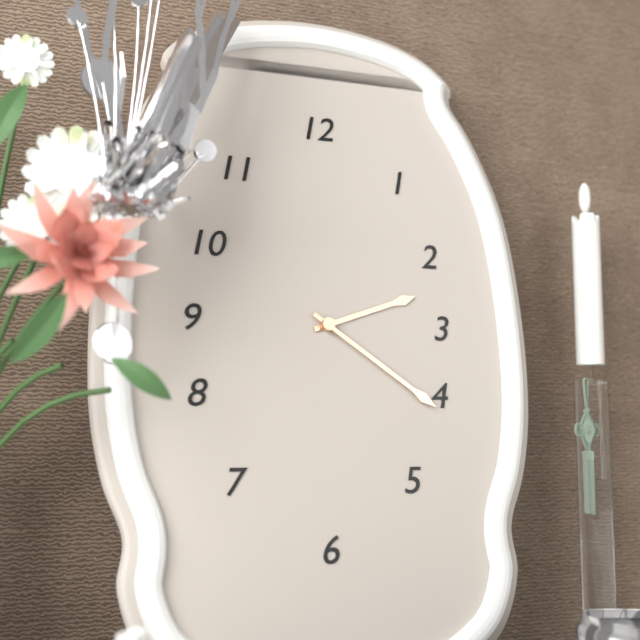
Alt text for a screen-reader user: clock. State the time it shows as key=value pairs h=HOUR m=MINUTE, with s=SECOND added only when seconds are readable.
h=2 m=21
